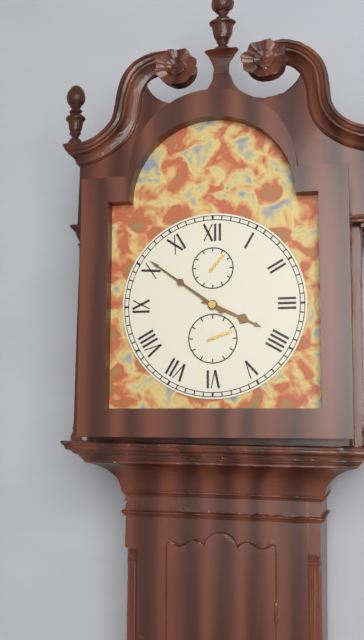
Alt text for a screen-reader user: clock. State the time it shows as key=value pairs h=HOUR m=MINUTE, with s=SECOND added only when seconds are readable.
h=3 m=51
